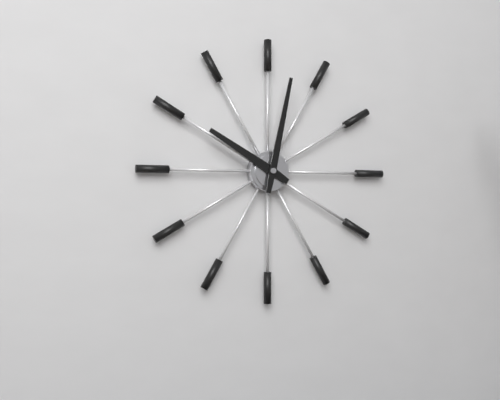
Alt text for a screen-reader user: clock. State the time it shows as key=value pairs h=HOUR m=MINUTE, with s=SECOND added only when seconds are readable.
h=10 m=2
